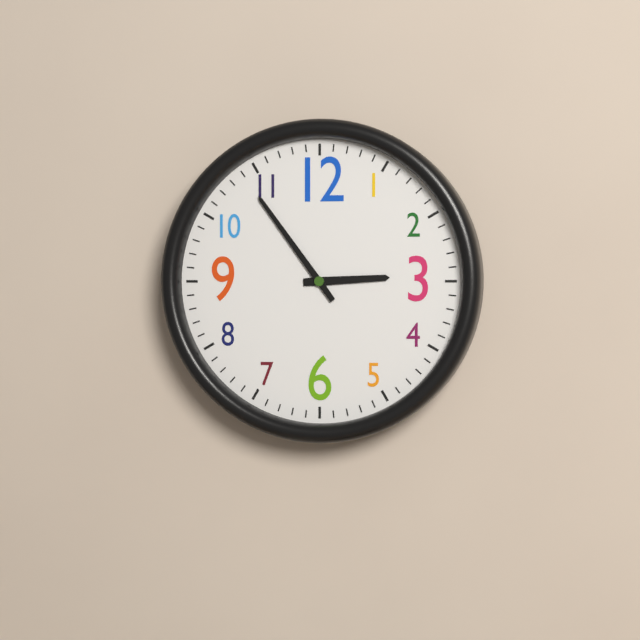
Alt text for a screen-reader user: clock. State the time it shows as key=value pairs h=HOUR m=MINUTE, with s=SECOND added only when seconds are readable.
h=2 m=54
